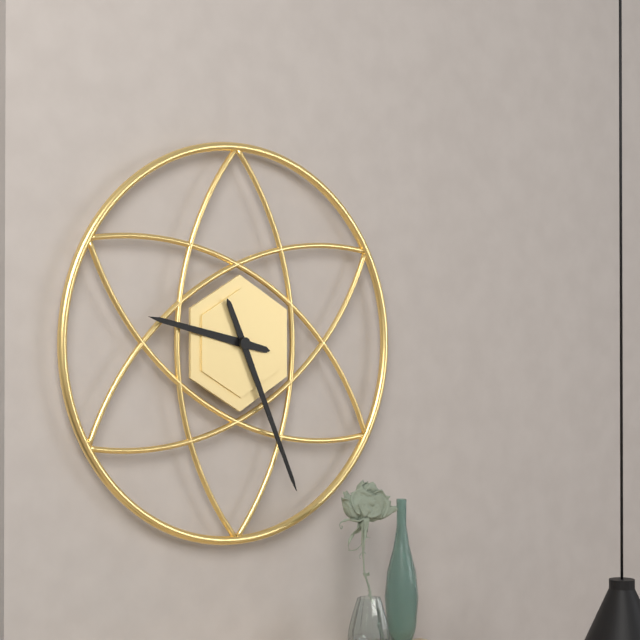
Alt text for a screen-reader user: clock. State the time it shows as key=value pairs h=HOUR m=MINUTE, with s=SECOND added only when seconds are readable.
h=9 m=26
